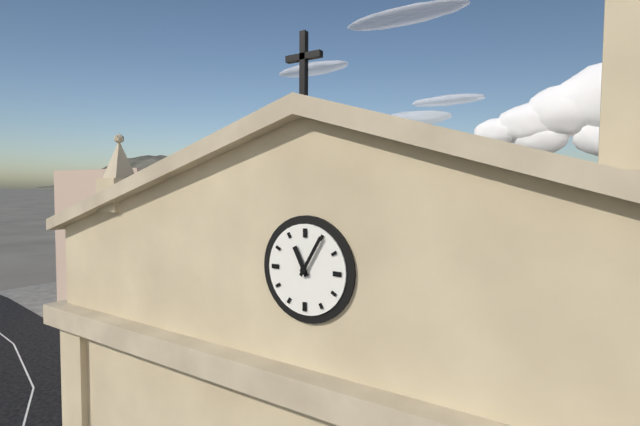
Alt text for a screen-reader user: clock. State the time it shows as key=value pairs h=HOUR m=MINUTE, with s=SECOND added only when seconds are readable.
h=11 m=5
